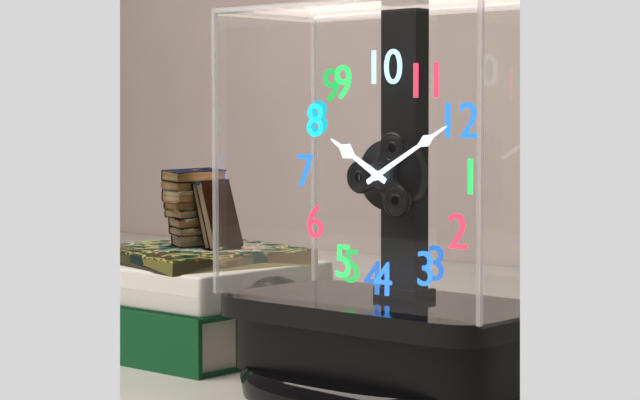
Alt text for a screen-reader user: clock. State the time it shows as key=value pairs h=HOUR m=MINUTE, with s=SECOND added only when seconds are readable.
h=8 m=0
